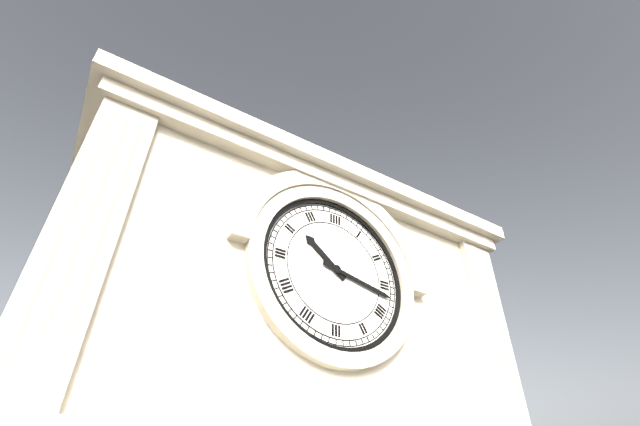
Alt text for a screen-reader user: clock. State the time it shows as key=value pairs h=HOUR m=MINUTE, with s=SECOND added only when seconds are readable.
h=10 m=17
